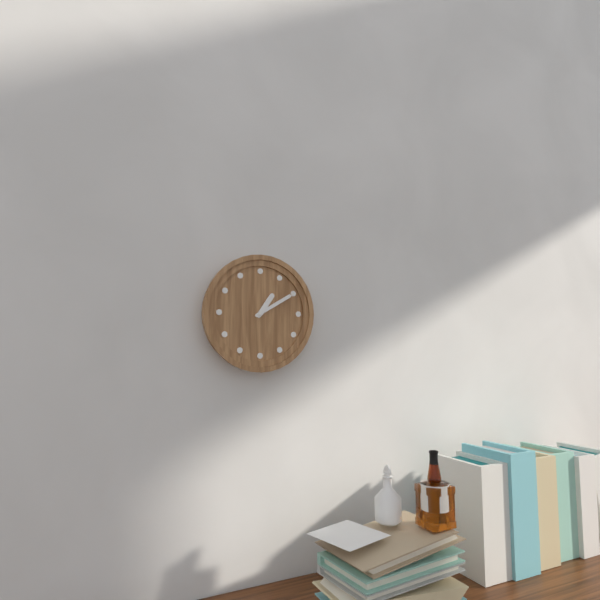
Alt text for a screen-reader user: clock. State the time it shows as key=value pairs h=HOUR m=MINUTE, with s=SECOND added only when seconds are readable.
h=1 m=10
